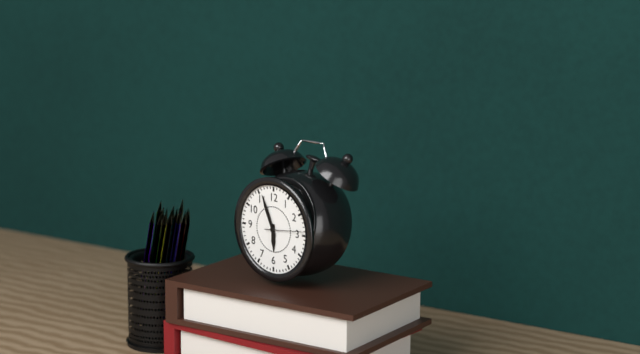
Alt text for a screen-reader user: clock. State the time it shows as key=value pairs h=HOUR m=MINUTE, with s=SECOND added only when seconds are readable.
h=5 m=56
